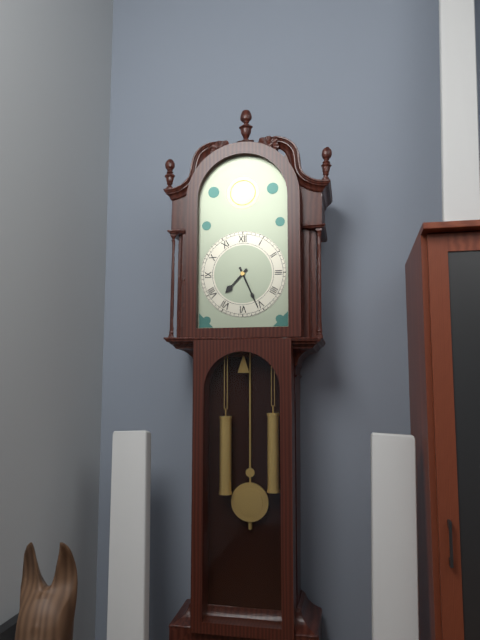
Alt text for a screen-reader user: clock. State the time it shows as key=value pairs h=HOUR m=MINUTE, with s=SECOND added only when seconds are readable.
h=7 m=26
